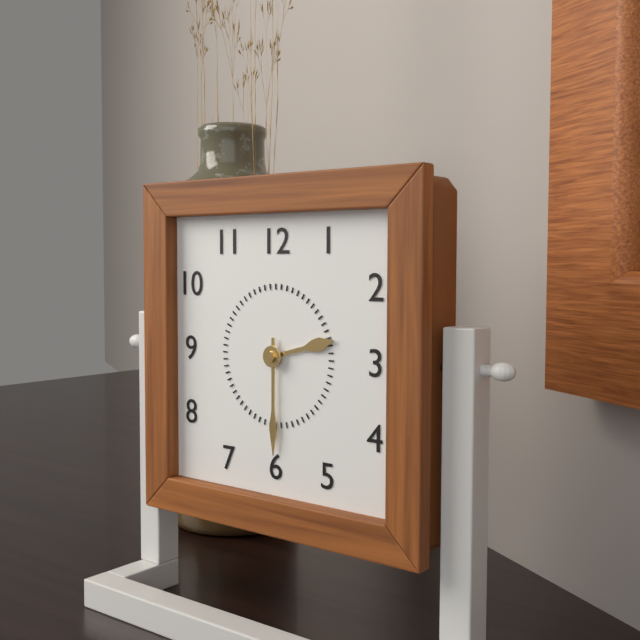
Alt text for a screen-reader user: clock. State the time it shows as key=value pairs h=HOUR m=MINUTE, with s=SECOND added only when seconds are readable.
h=2 m=30
